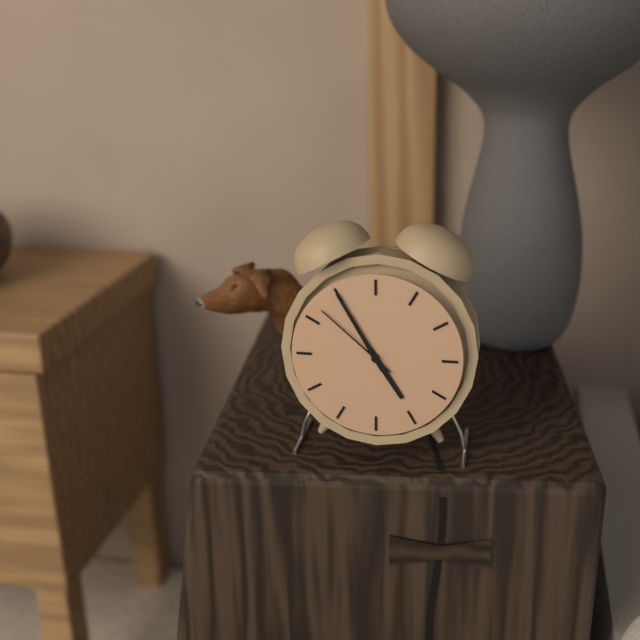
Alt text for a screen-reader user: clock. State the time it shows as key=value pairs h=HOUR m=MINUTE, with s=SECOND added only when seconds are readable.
h=4 m=55 s=52
